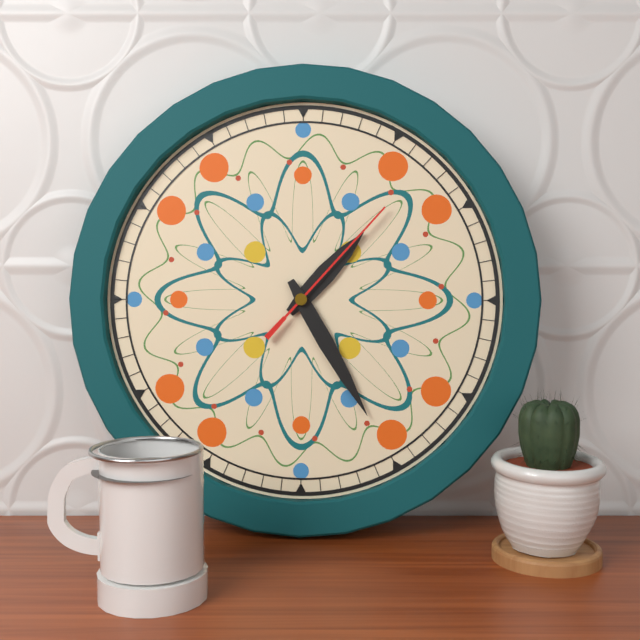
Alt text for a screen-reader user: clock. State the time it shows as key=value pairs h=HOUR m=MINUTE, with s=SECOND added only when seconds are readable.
h=1 m=25 s=7
